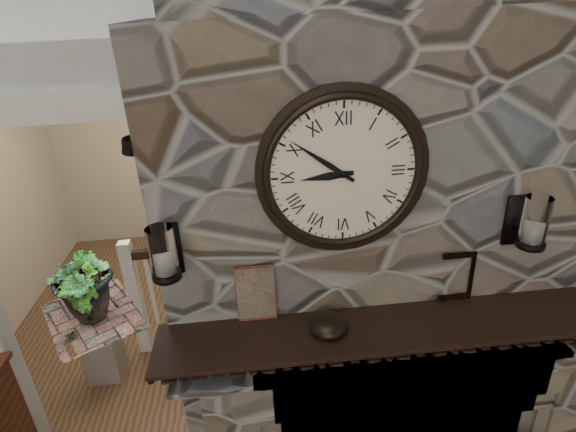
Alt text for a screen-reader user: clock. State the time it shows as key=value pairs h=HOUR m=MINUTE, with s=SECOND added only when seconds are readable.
h=8 m=51
